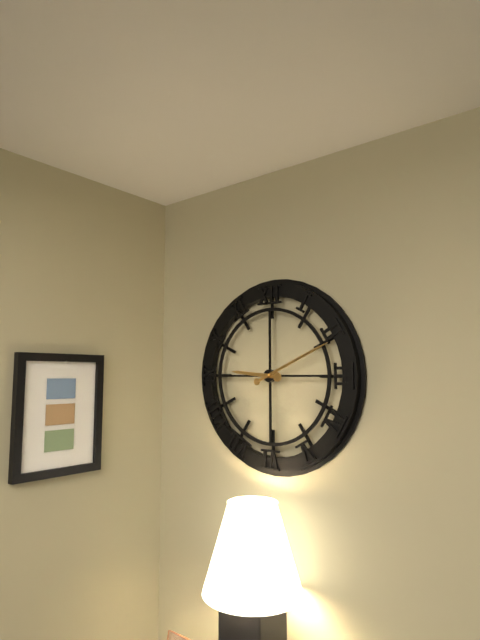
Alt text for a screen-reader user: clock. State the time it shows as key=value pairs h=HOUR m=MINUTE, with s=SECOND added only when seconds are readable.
h=9 m=11
